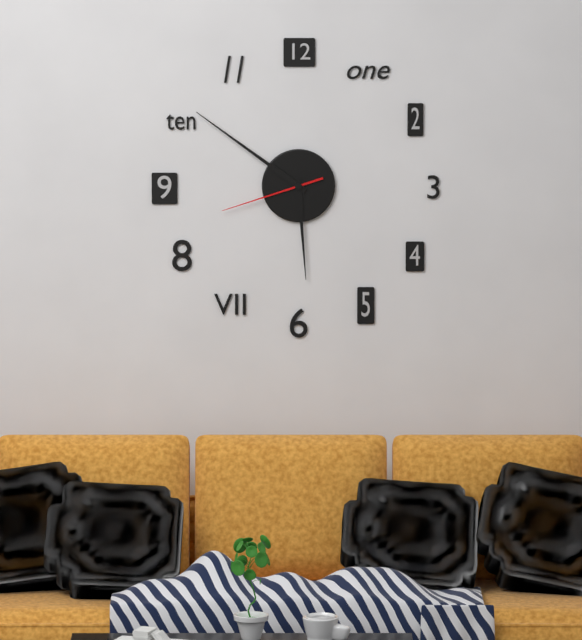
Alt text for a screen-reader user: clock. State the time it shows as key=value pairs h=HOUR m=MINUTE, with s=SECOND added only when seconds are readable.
h=5 m=51 s=42
